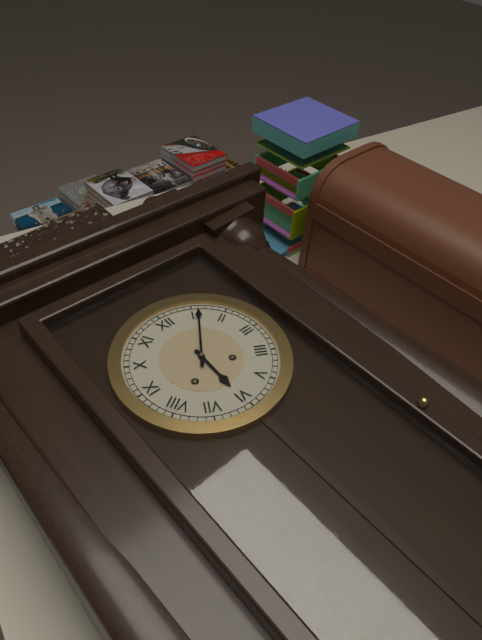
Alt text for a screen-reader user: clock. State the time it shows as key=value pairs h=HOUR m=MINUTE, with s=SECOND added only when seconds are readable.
h=6 m=6
